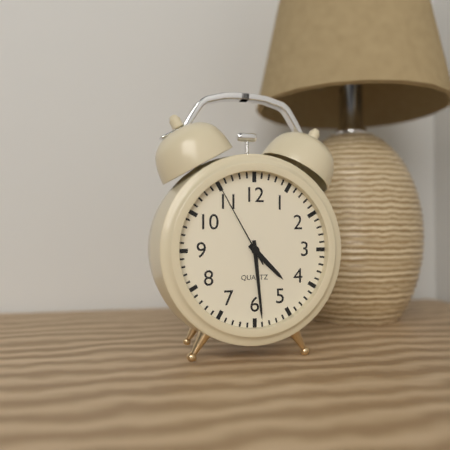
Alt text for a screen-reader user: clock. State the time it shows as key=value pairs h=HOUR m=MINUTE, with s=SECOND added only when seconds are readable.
h=4 m=29 s=55
